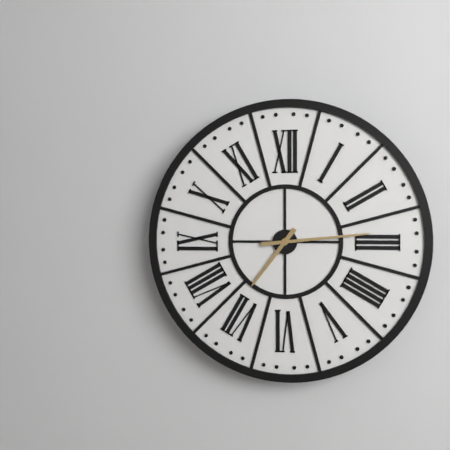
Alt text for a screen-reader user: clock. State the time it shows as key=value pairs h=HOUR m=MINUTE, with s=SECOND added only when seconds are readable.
h=7 m=14
